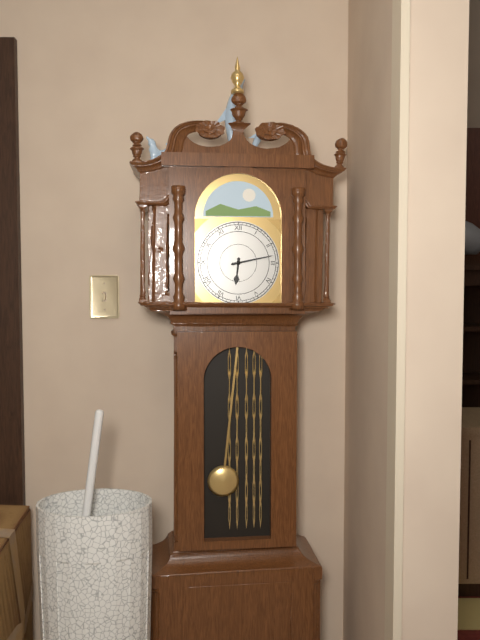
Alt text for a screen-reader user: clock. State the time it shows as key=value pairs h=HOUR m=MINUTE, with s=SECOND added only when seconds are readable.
h=6 m=13
